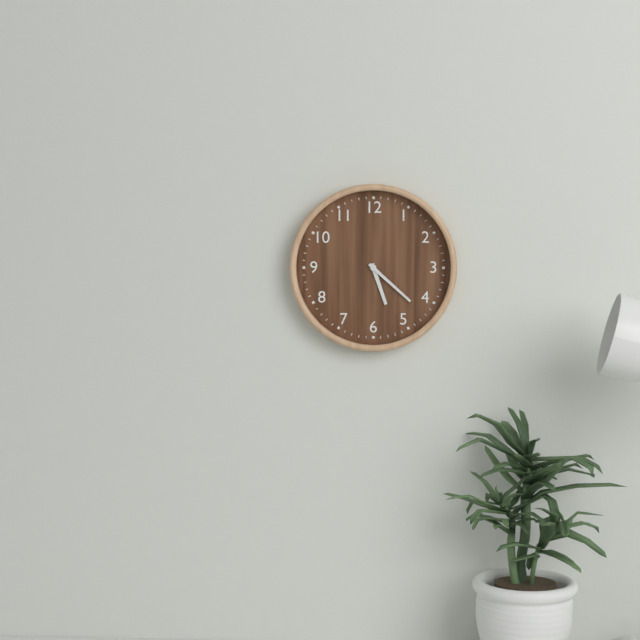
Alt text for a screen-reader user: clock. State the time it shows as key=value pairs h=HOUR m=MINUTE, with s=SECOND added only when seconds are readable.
h=5 m=22
